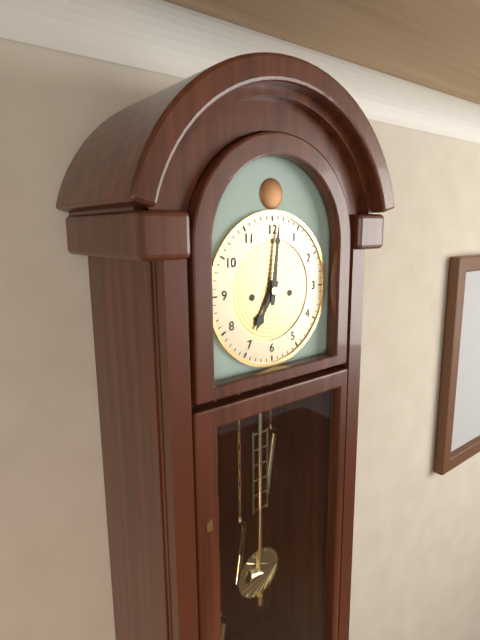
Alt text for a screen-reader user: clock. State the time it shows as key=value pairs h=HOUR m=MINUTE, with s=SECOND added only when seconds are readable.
h=7 m=1
